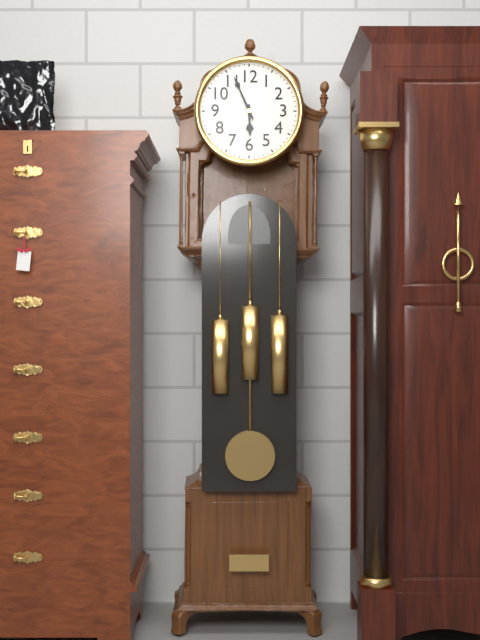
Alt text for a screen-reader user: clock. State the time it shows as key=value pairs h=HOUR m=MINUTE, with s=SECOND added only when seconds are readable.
h=5 m=56
